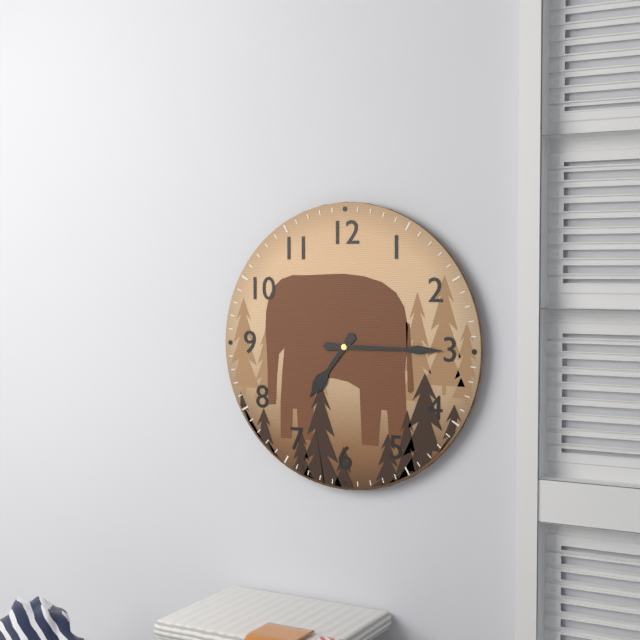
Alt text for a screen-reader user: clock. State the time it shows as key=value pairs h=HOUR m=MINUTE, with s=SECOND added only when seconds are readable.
h=7 m=15
